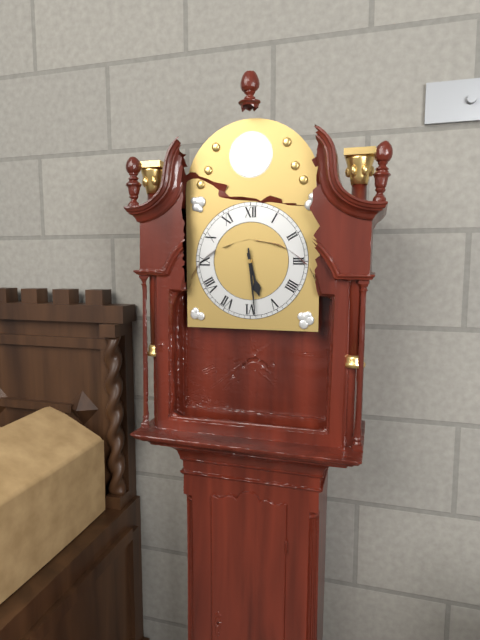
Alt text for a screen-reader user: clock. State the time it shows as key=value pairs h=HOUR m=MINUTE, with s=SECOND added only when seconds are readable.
h=5 m=29
